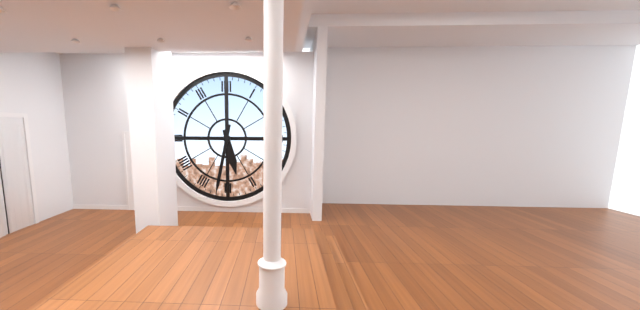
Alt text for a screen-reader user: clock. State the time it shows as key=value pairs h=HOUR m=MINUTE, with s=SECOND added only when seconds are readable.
h=5 m=32
